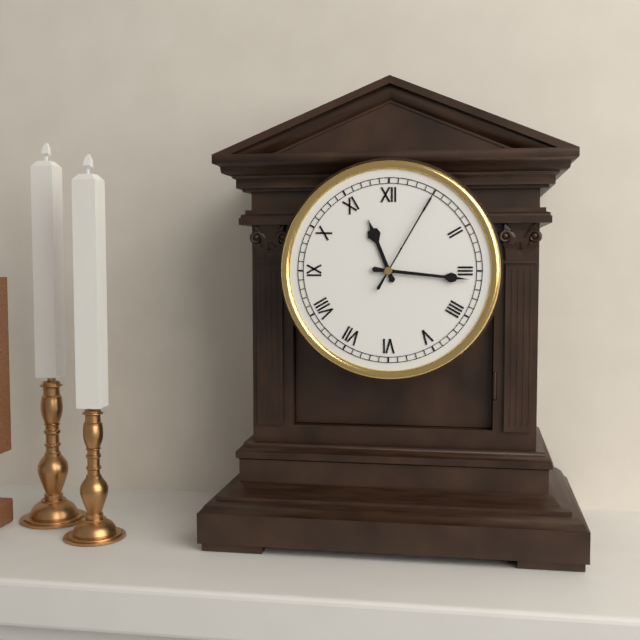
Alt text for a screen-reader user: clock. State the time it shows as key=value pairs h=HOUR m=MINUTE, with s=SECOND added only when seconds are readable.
h=11 m=16 s=5
